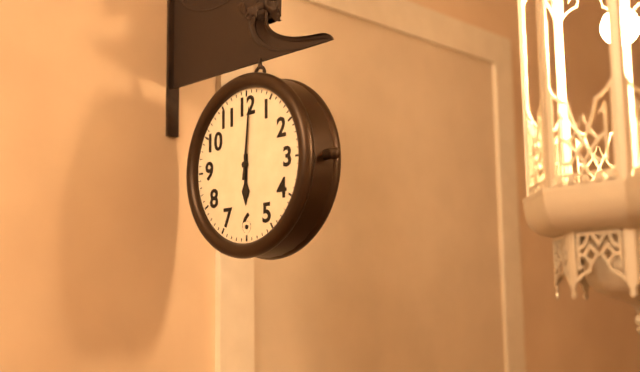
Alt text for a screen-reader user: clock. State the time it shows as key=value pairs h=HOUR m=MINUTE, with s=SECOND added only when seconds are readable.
h=6 m=1
